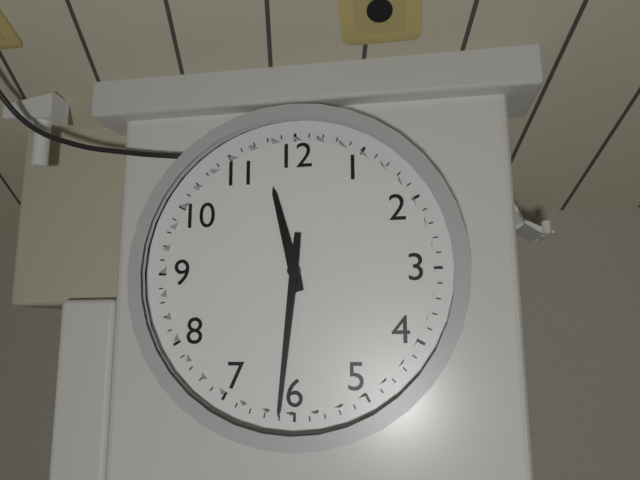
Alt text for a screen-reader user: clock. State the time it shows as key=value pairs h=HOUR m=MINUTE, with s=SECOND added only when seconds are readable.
h=11 m=31
